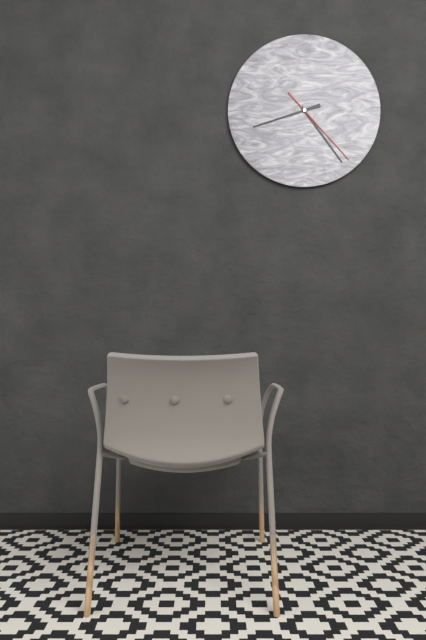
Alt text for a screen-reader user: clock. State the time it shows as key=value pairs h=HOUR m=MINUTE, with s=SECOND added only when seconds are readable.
h=8 m=24 s=23
